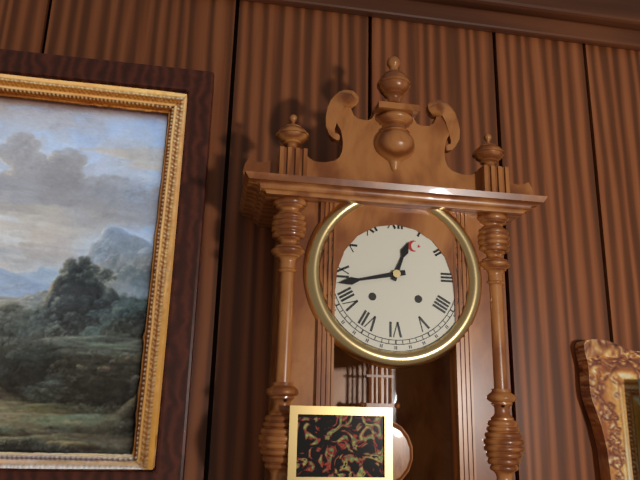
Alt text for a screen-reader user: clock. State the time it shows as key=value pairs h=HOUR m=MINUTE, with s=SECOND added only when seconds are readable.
h=12 m=43
